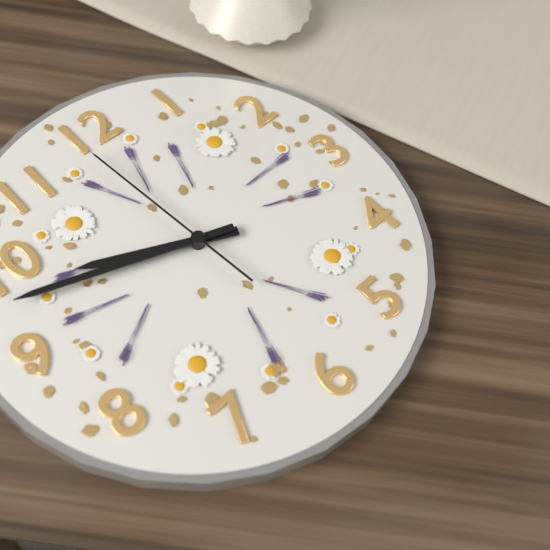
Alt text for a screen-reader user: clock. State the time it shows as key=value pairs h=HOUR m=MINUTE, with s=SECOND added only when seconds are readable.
h=9 m=48 s=59
